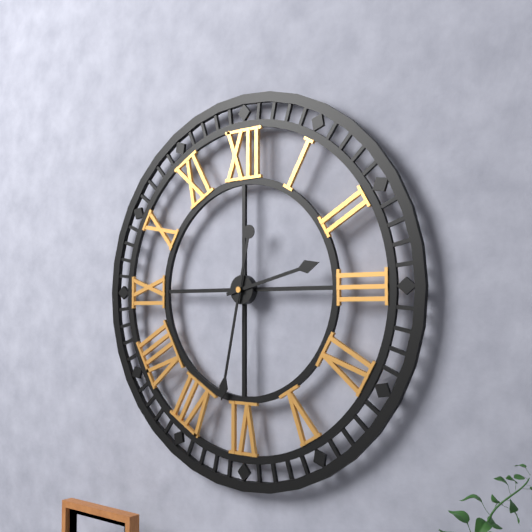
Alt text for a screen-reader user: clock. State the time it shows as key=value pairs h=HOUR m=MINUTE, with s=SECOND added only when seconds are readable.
h=2 m=32
